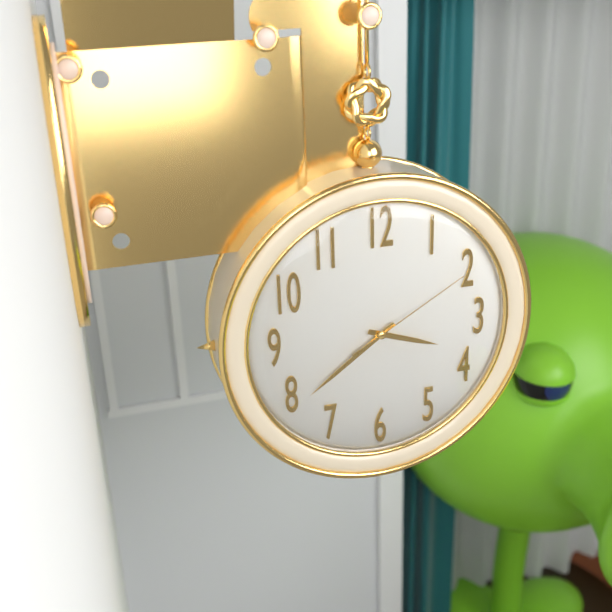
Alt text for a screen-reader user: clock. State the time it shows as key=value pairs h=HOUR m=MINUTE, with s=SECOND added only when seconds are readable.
h=3 m=39 s=10
